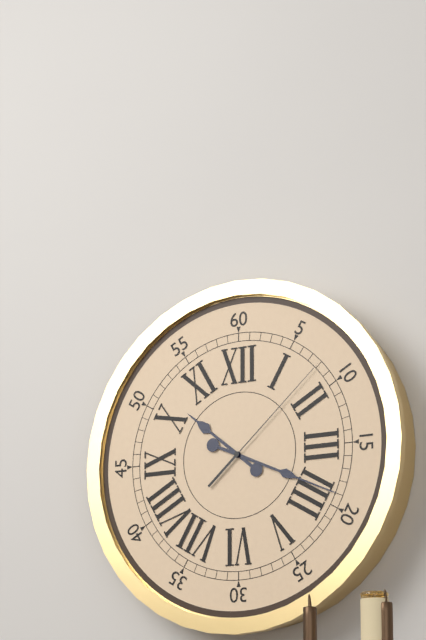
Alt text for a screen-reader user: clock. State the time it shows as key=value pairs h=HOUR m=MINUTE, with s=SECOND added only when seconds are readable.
h=10 m=19 s=8
